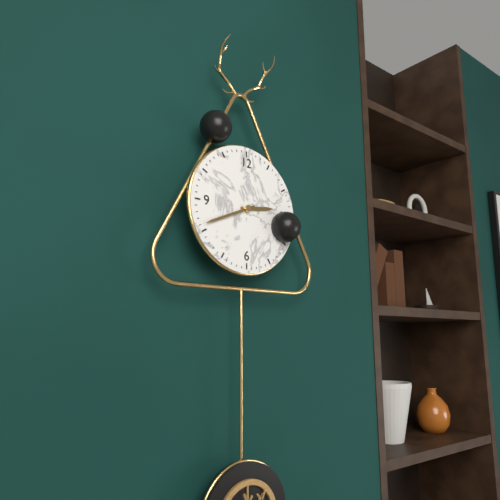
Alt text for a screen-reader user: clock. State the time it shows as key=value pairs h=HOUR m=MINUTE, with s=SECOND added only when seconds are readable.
h=2 m=41
